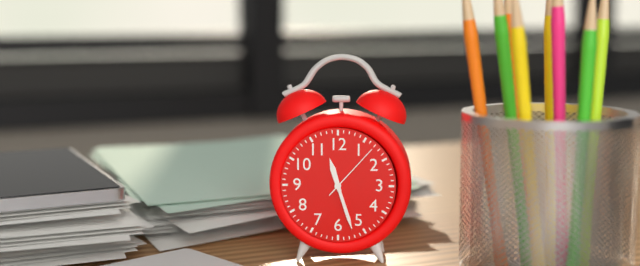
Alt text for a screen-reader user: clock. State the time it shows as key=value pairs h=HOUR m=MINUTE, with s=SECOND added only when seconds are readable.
h=11 m=27 s=7
